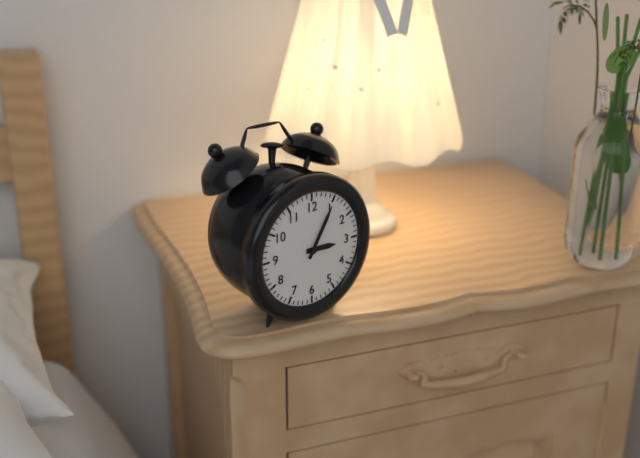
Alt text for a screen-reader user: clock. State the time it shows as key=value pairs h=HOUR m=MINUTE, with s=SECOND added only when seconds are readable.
h=3 m=5
